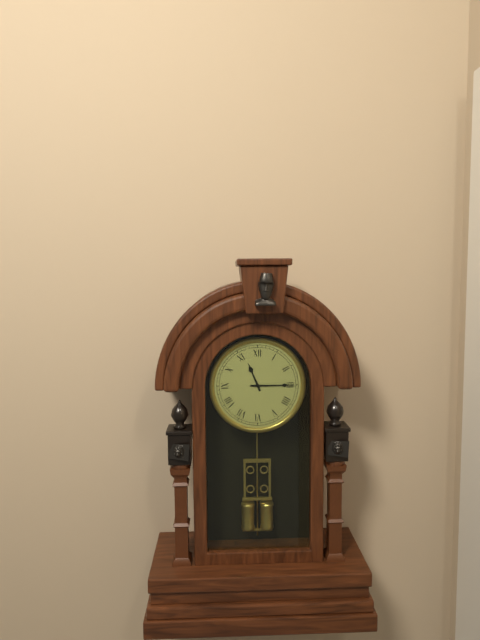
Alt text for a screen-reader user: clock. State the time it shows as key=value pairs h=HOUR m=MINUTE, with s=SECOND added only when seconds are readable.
h=11 m=15
